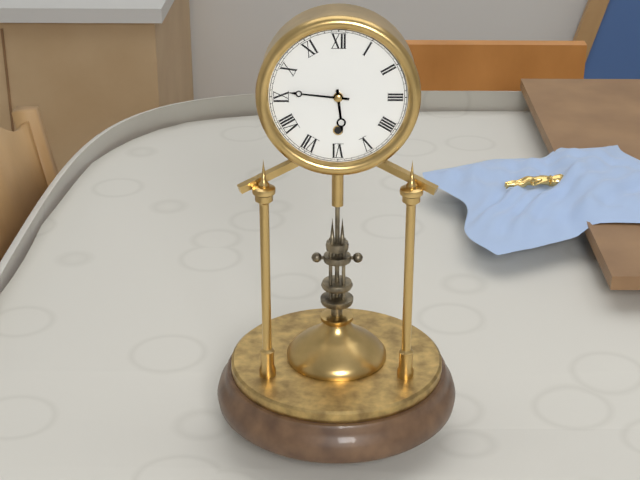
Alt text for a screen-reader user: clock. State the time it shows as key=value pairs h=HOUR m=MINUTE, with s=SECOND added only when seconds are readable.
h=5 m=46
